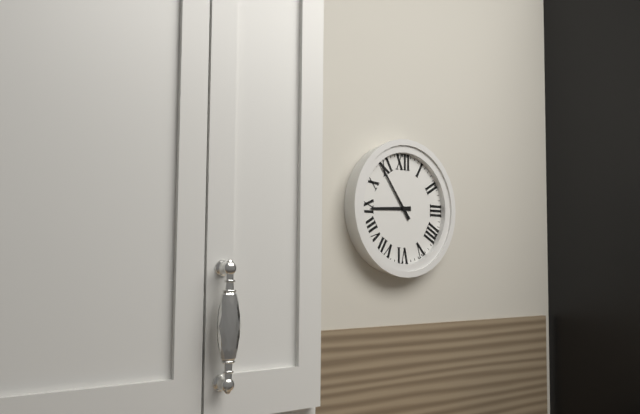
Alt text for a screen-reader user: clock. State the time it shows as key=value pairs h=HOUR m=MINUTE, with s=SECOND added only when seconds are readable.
h=8 m=54
